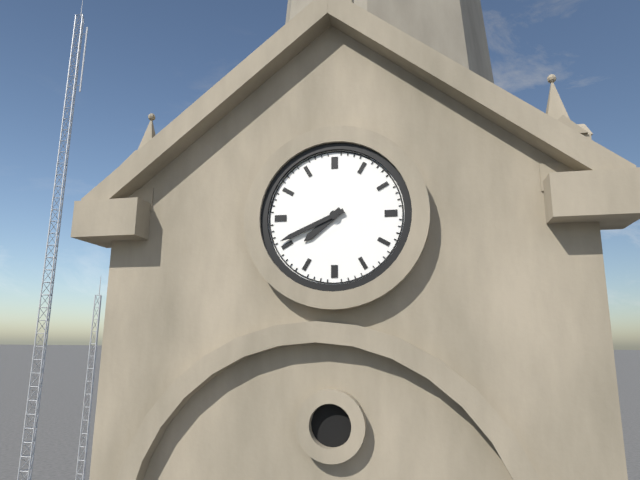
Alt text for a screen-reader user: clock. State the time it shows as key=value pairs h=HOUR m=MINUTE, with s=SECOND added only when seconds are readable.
h=7 m=41
